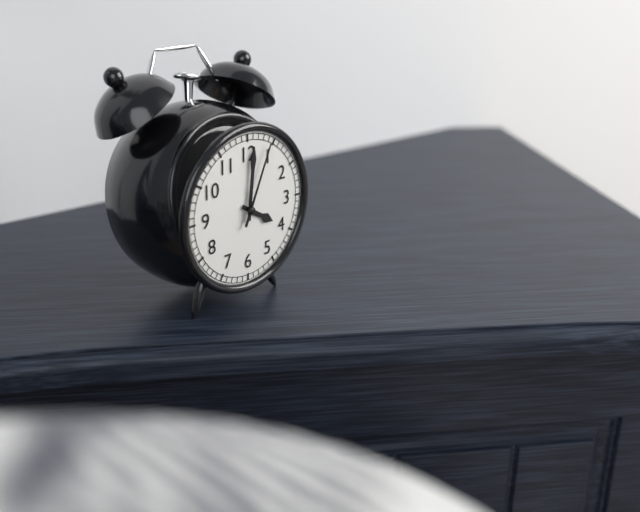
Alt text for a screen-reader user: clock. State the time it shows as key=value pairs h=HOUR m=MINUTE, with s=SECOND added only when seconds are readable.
h=4 m=1 s=4
